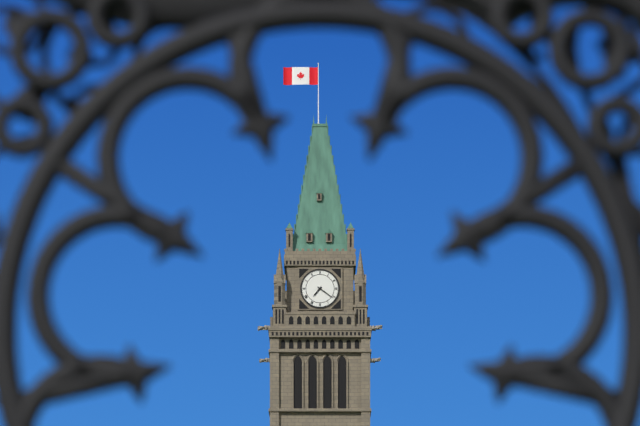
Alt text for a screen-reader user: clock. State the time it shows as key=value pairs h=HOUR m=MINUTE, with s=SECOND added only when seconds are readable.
h=7 m=21
